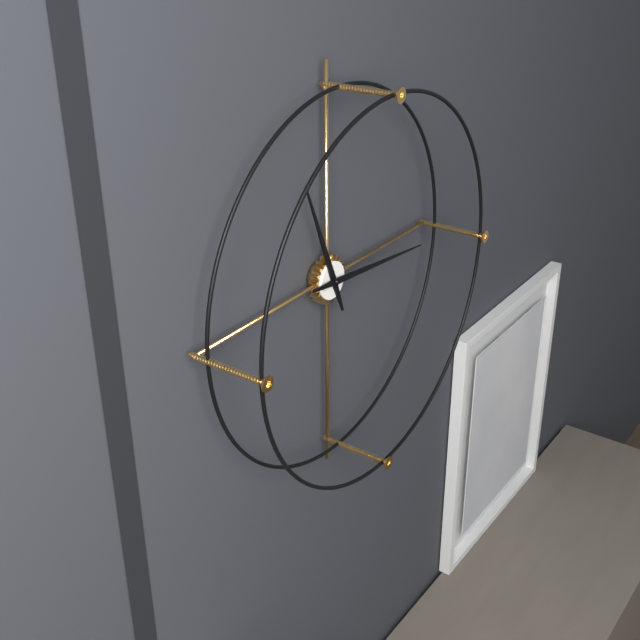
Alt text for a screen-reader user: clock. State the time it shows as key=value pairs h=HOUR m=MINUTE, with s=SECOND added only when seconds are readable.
h=11 m=16
